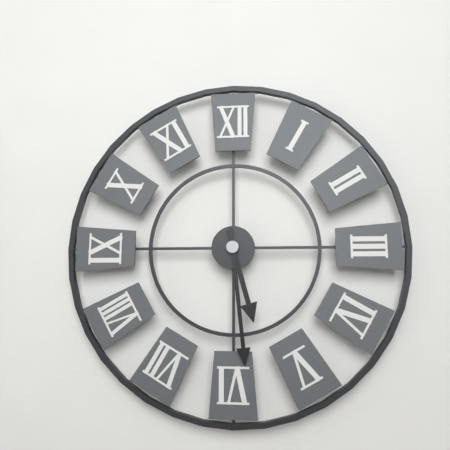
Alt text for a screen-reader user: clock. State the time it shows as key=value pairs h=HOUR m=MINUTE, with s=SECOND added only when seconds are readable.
h=5 m=29
